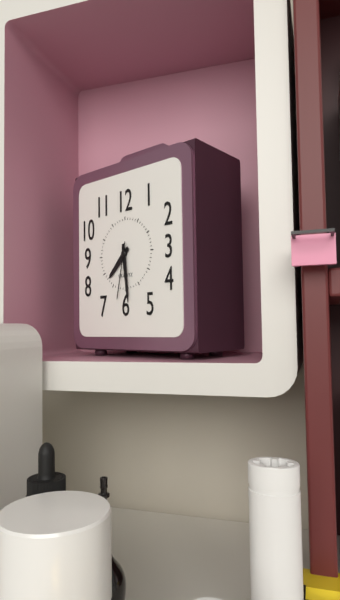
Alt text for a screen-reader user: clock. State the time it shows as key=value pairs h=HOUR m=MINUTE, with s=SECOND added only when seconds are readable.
h=7 m=29 s=32
